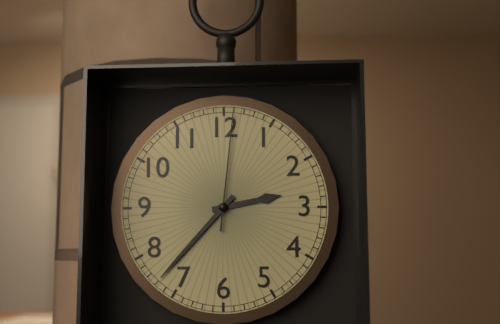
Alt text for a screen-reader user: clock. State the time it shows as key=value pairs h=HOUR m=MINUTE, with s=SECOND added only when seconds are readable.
h=2 m=37 s=1
